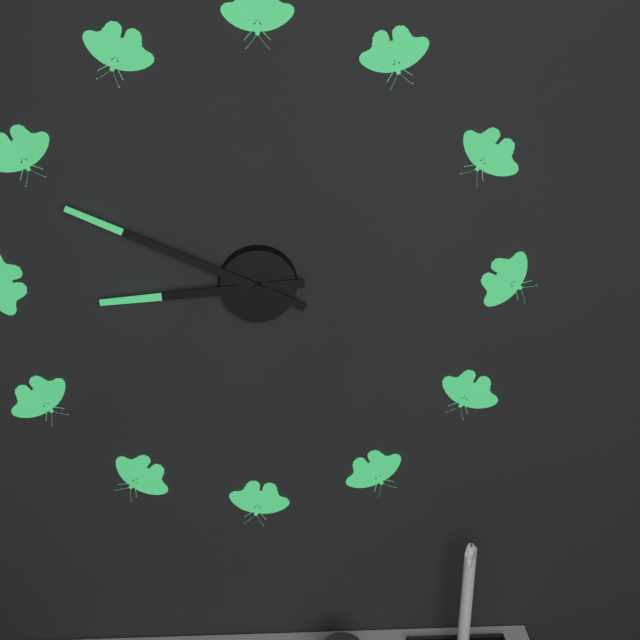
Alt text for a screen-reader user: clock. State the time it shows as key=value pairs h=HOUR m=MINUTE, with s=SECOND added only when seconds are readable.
h=8 m=49
